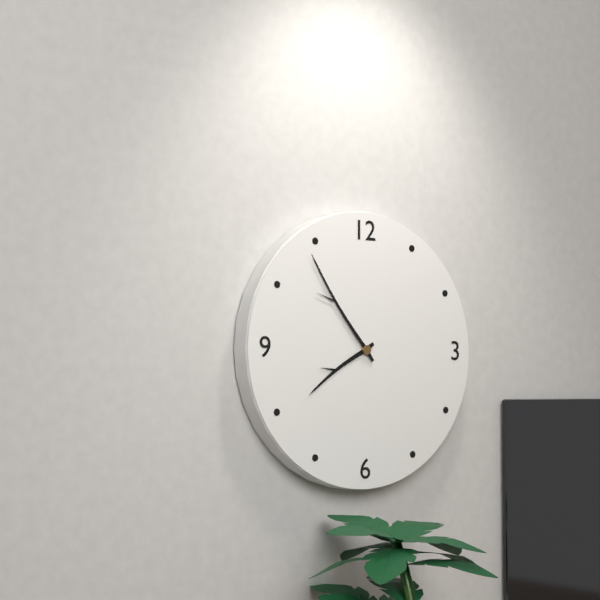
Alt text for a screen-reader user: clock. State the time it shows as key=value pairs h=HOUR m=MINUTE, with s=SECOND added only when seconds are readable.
h=7 m=54
